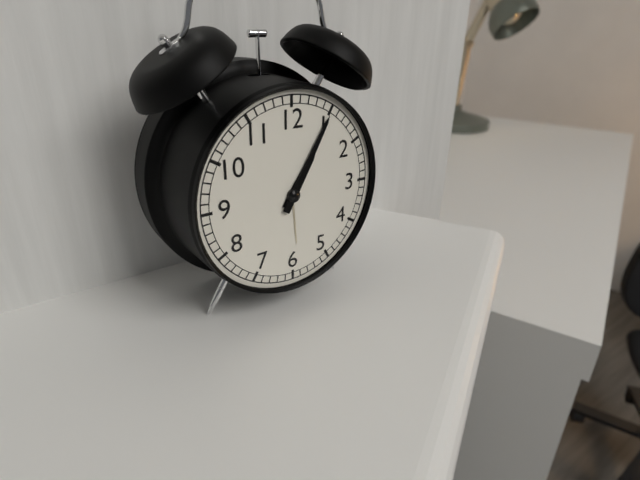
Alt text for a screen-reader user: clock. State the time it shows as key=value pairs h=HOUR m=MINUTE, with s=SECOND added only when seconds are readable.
h=1 m=5
